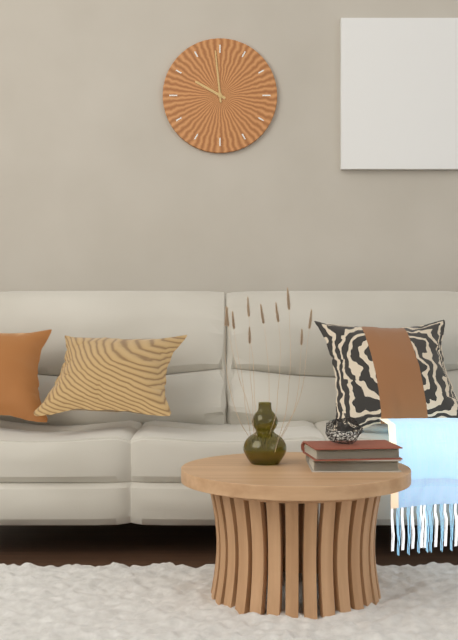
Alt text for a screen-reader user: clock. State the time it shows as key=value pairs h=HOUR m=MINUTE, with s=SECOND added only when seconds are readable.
h=9 m=59
